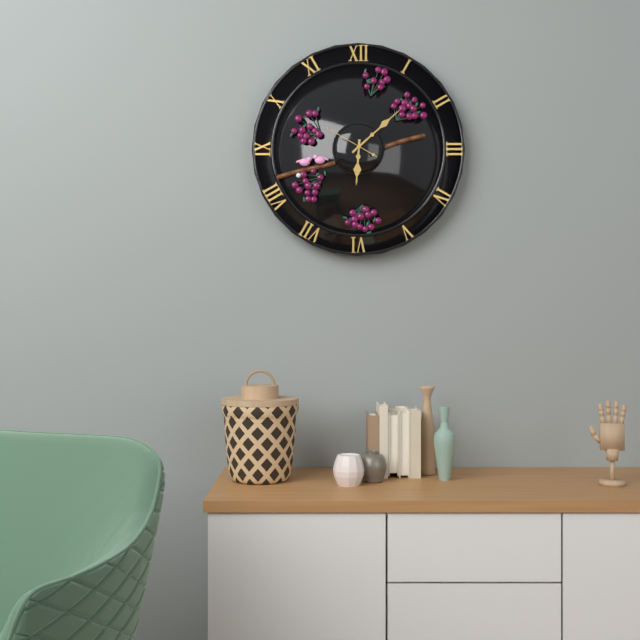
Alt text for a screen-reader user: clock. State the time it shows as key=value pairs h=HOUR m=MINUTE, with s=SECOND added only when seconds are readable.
h=6 m=8
